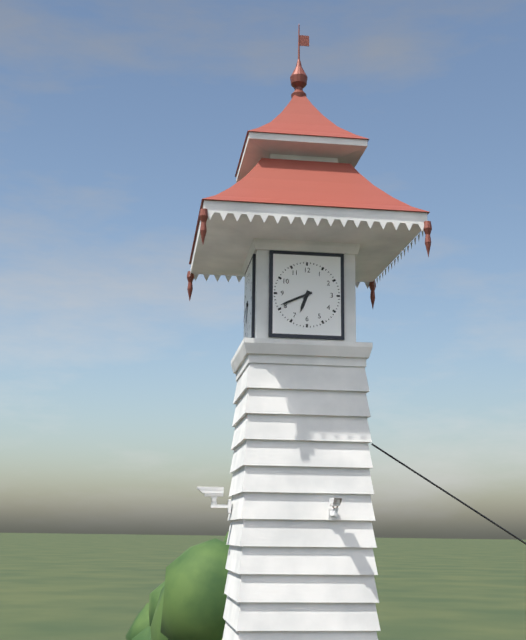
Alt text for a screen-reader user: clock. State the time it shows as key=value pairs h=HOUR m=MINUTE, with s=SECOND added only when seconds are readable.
h=6 m=41
